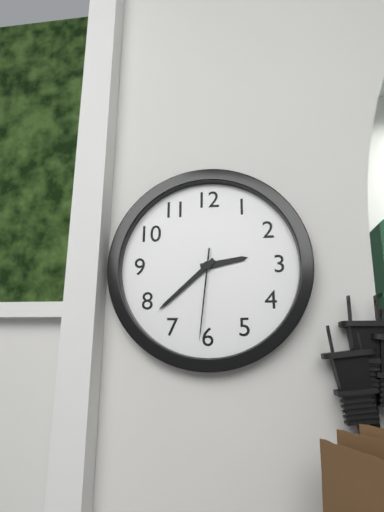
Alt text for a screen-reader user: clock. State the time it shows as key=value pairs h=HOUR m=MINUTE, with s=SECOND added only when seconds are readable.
h=2 m=38 s=31
